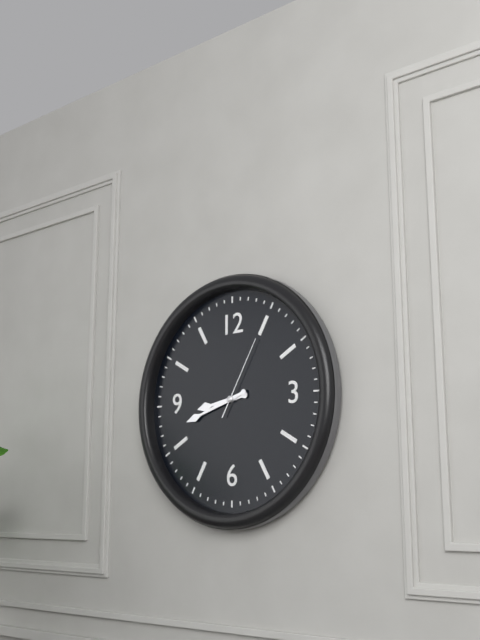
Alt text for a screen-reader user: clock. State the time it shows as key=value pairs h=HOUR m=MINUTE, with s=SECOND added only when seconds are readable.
h=8 m=42 s=5
